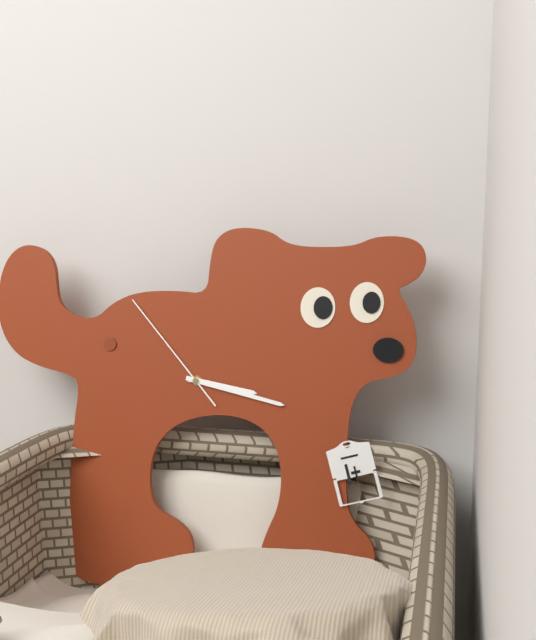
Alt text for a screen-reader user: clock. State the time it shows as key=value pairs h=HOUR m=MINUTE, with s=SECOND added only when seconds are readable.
h=3 m=17 s=53
